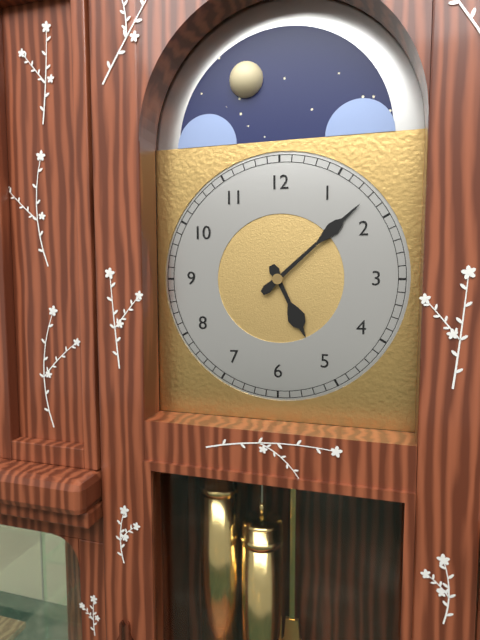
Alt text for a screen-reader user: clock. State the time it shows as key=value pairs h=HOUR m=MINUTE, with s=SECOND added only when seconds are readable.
h=5 m=8
